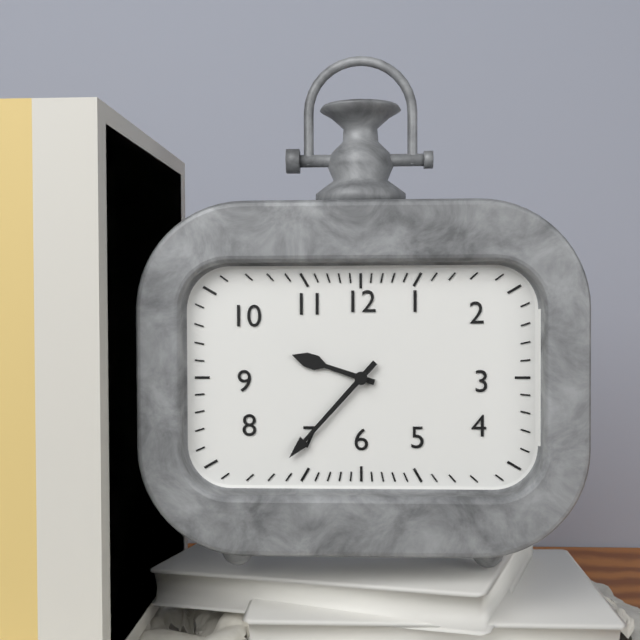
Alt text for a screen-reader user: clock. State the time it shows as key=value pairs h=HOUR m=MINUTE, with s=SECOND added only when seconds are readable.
h=9 m=37
